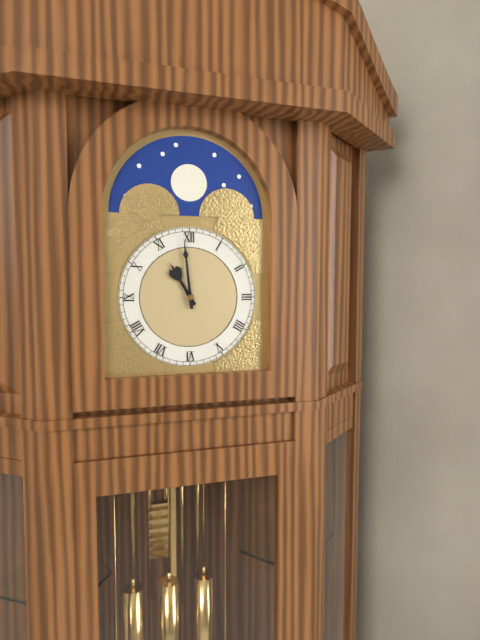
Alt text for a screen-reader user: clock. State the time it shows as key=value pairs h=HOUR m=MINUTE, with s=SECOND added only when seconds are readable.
h=10 m=59
